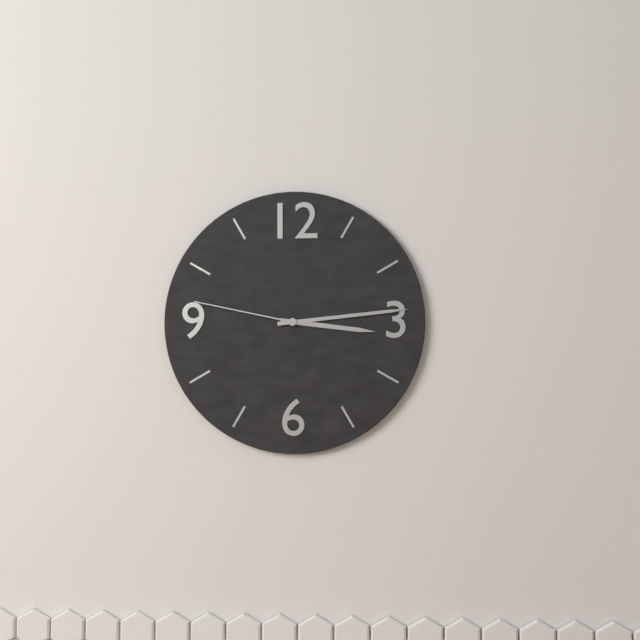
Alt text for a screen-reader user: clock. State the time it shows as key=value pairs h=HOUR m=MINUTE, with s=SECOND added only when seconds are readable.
h=3 m=14 s=47
